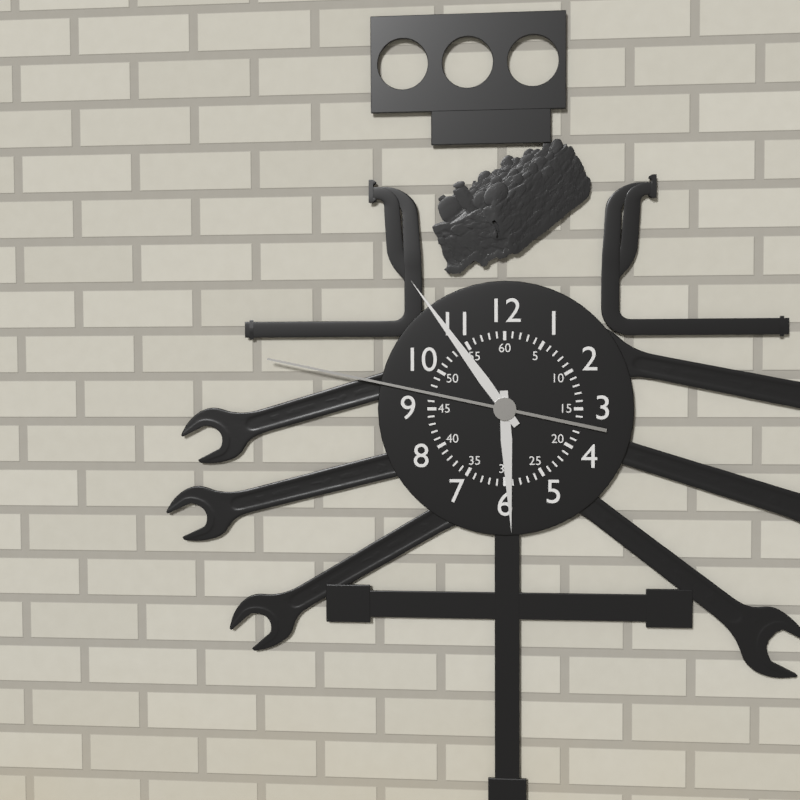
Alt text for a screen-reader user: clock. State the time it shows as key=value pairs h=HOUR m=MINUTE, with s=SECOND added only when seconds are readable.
h=5 m=54 s=47
